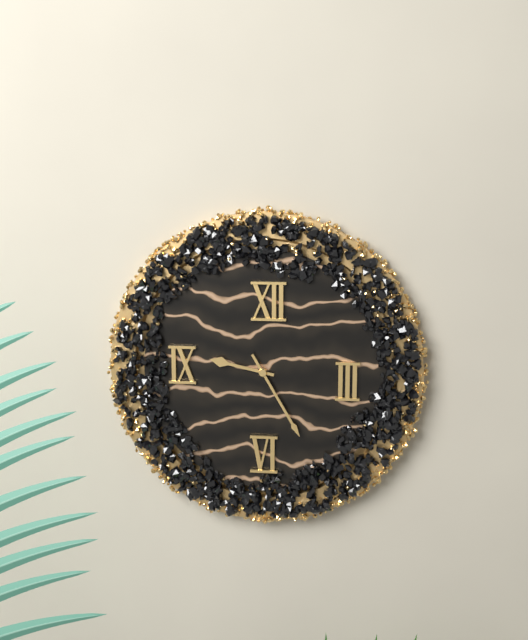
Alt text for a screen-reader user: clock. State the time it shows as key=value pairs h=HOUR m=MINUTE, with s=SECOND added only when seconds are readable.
h=9 m=25
